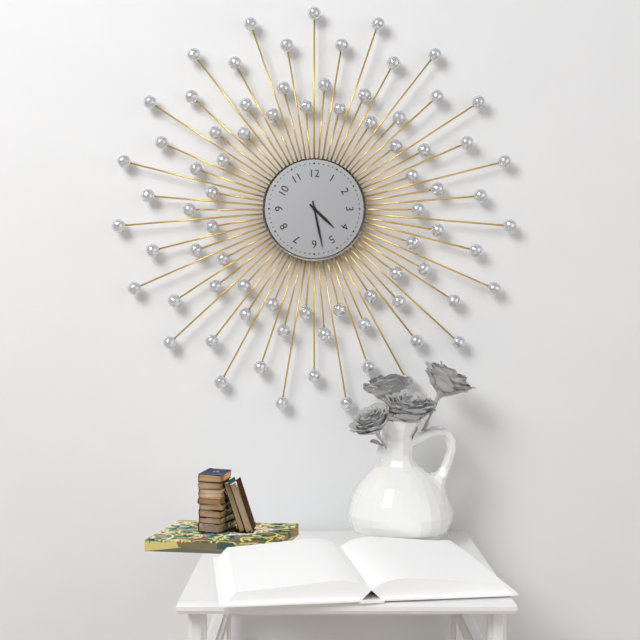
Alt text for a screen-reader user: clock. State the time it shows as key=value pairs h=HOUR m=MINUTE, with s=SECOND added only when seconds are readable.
h=4 m=28
